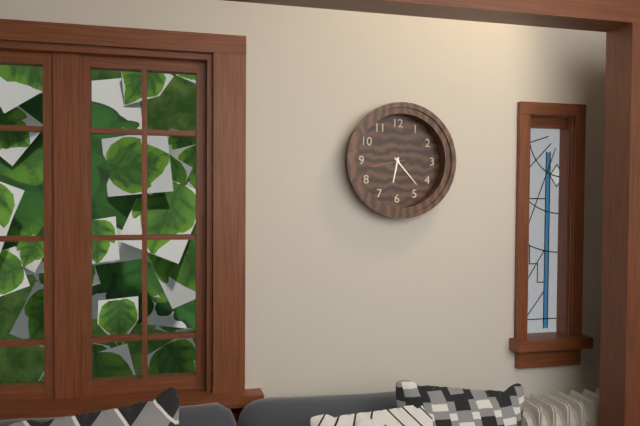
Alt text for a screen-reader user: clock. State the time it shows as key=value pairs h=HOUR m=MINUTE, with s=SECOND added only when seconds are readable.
h=6 m=23
